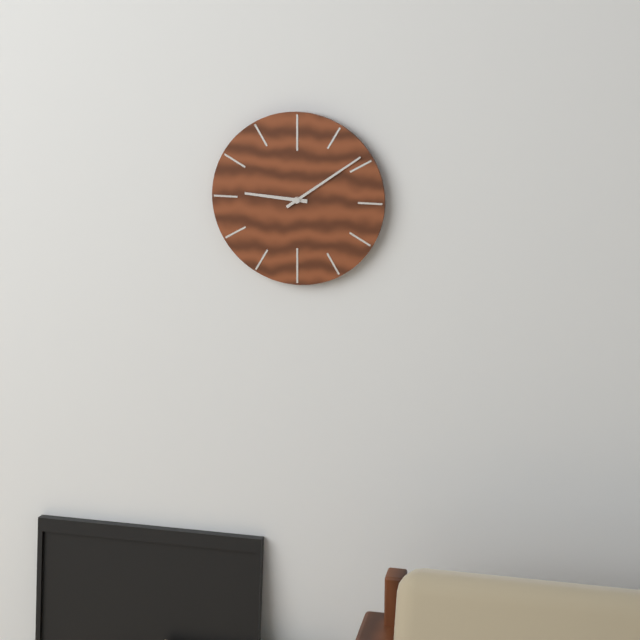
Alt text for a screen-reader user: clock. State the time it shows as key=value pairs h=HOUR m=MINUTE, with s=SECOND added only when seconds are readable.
h=9 m=9
